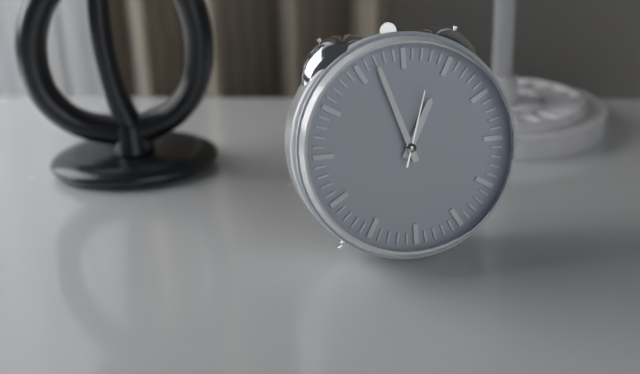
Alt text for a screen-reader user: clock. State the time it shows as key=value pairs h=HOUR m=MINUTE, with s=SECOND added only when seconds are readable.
h=12 m=57 s=3
